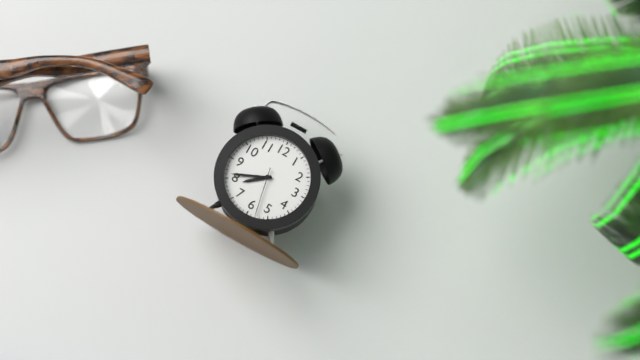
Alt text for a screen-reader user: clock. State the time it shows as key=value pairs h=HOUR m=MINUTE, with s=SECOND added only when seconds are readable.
h=7 m=41
